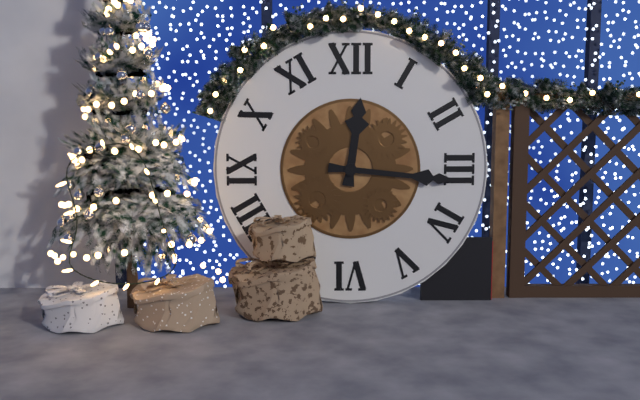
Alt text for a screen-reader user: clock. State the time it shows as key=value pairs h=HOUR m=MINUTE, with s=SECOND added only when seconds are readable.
h=12 m=16
